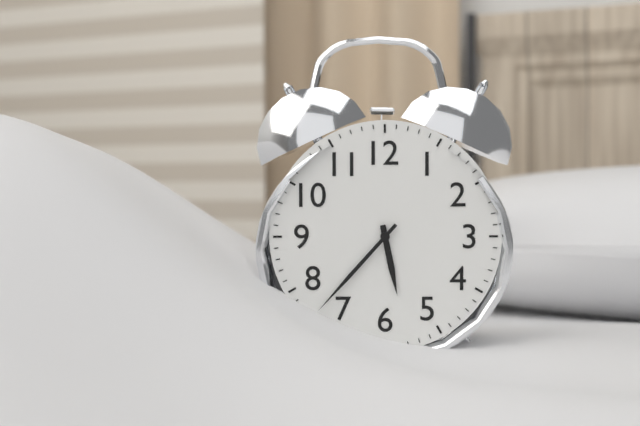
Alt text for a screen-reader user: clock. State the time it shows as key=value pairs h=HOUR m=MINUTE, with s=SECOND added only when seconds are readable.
h=5 m=37
